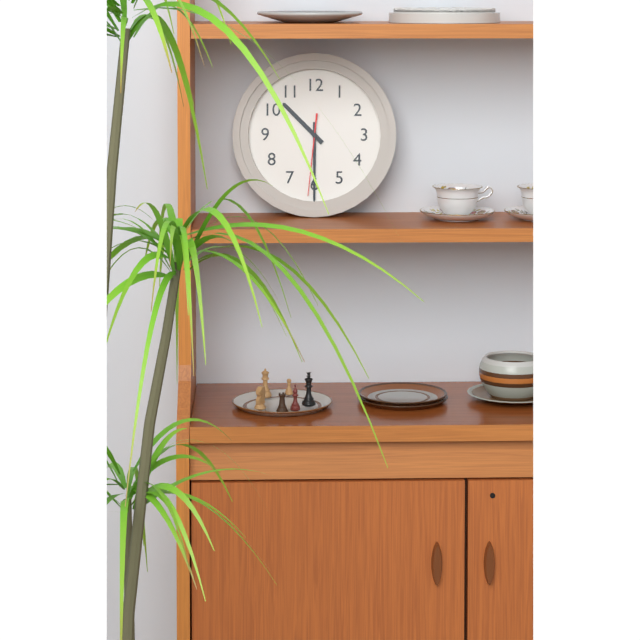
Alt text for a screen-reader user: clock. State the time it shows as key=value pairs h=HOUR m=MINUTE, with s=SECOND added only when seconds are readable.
h=10 m=30 s=31
